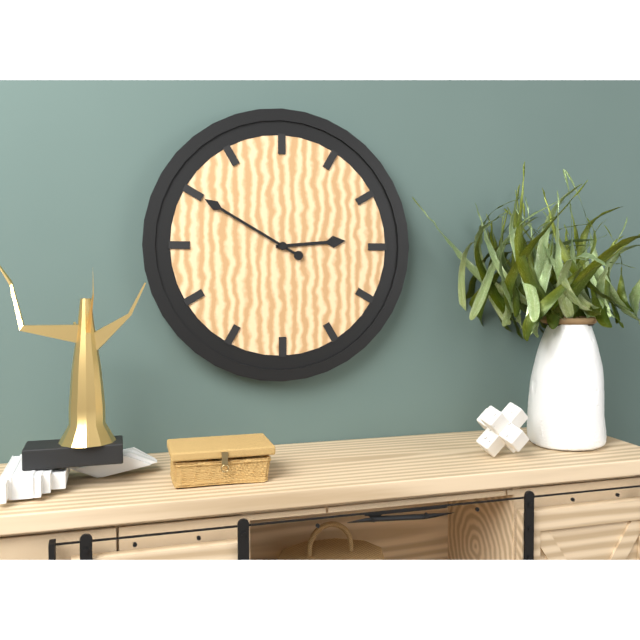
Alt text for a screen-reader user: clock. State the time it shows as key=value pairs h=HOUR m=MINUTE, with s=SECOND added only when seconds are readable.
h=2 m=50
